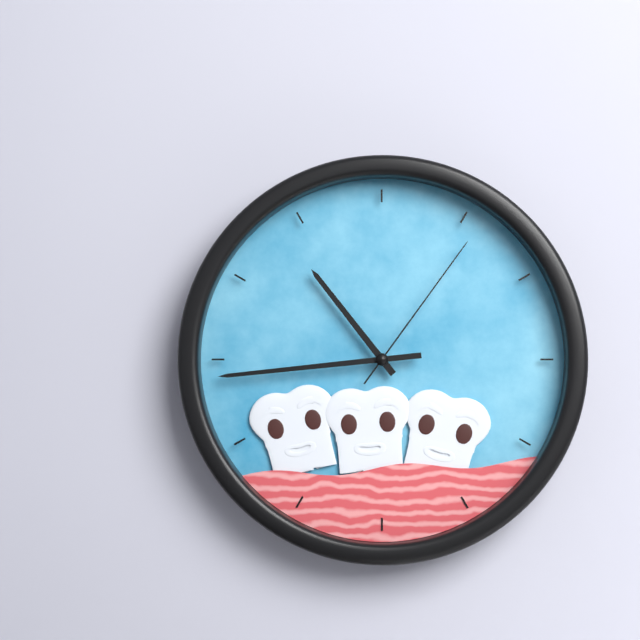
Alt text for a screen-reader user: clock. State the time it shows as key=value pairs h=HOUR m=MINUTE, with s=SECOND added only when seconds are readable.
h=10 m=44 s=6
